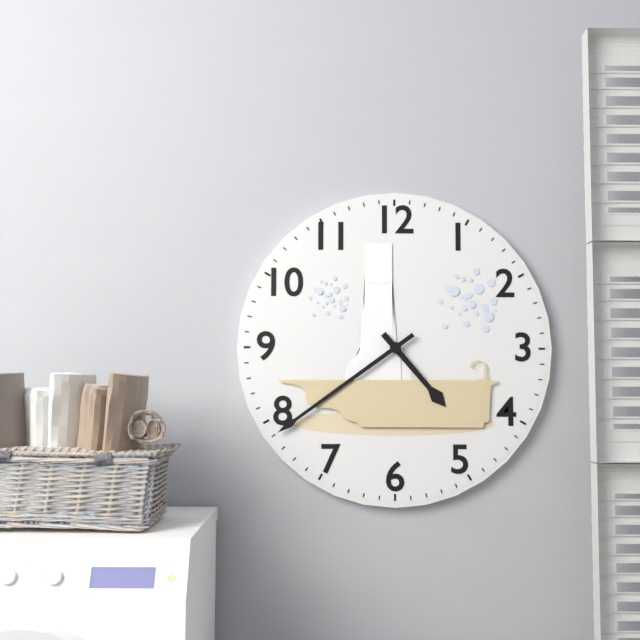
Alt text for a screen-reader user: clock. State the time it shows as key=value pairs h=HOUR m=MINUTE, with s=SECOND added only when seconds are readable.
h=4 m=39
